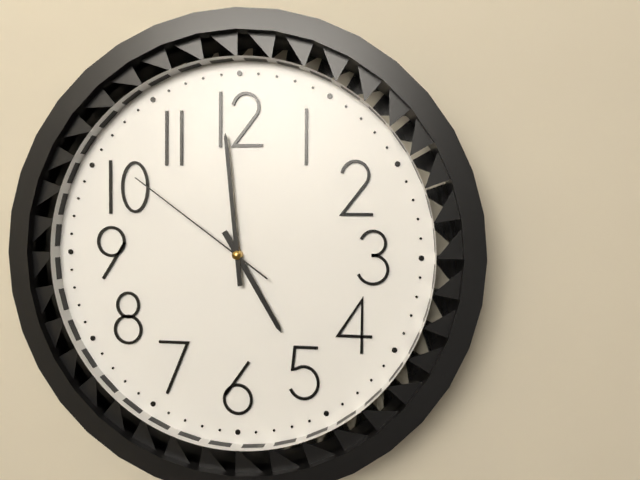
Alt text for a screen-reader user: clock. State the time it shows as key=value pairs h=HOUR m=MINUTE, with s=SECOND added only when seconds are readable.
h=4 m=59 s=51
